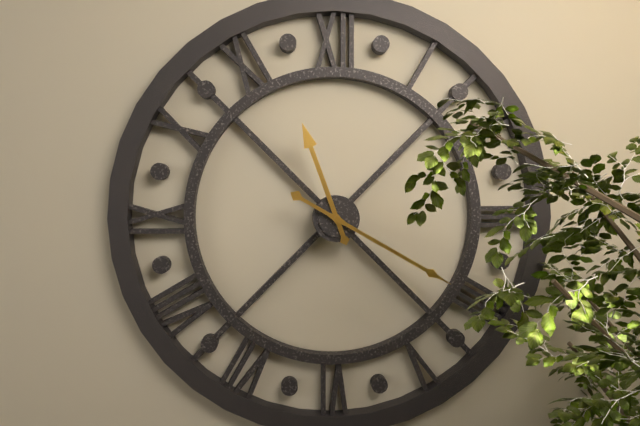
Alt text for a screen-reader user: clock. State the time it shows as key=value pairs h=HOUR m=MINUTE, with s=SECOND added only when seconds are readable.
h=11 m=20
